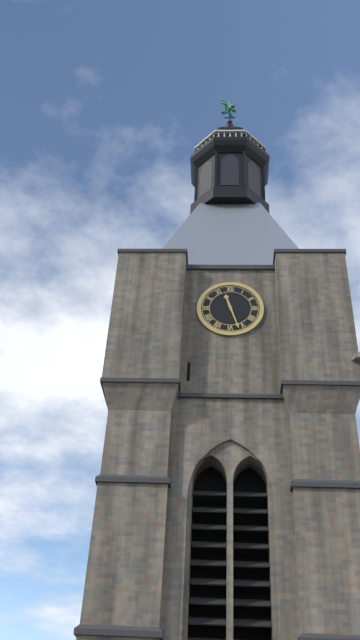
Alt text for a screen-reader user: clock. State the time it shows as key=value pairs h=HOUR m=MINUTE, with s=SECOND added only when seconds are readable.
h=11 m=27
